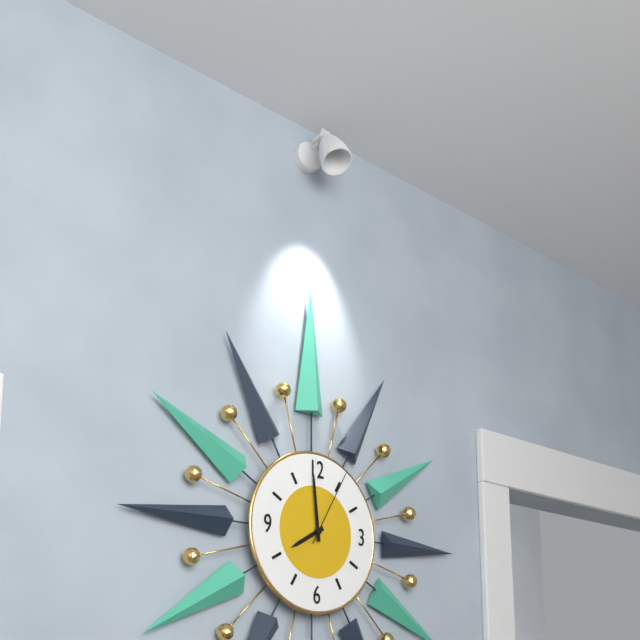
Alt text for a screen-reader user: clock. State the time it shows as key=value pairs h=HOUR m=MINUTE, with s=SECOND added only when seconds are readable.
h=7 m=59 s=5
